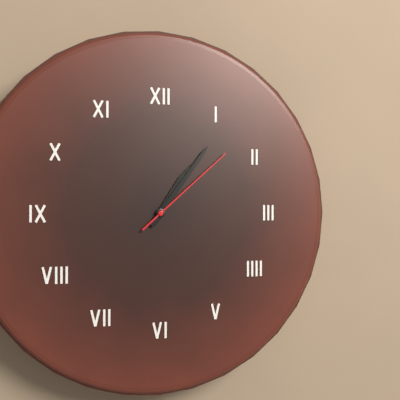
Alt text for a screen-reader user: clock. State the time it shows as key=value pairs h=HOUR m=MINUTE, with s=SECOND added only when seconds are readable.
h=1 m=6 s=8
